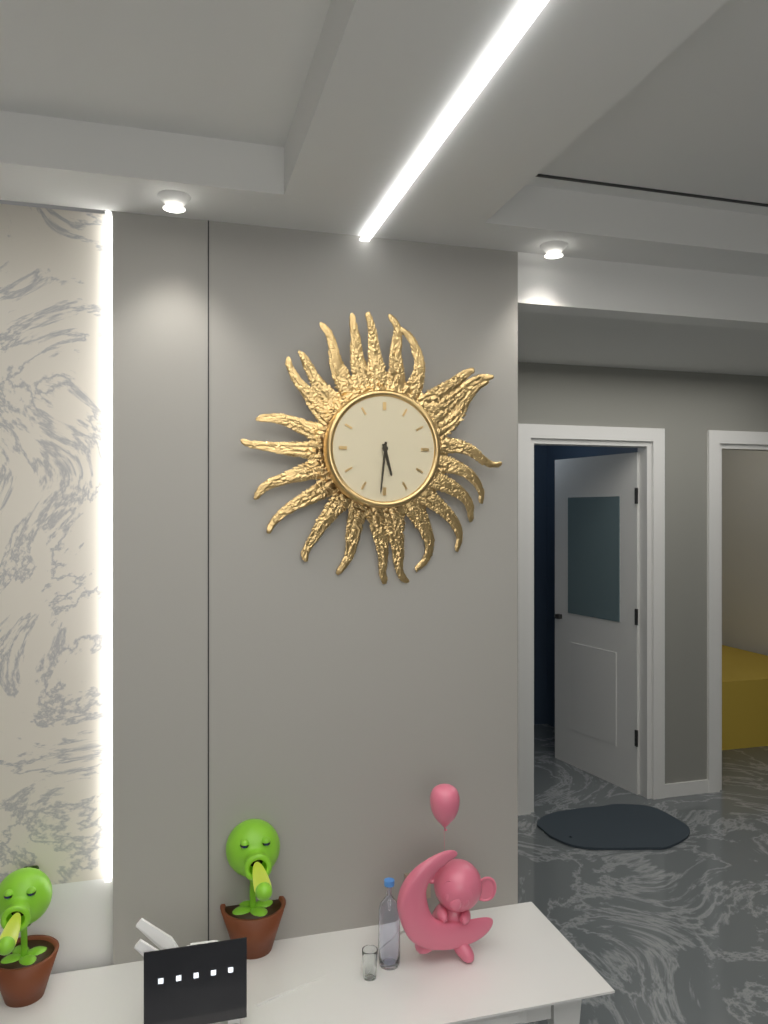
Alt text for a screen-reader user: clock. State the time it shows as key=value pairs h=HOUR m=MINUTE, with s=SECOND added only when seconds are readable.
h=5 m=31
